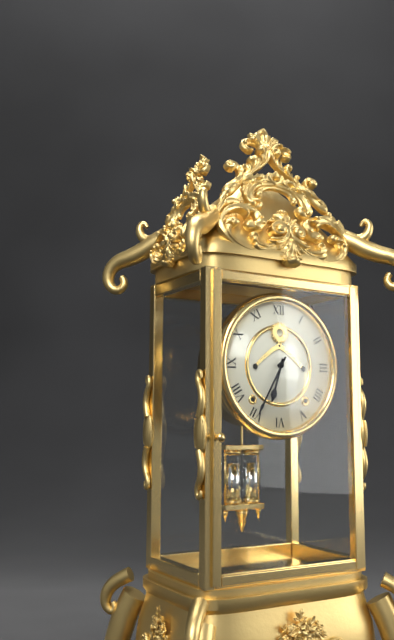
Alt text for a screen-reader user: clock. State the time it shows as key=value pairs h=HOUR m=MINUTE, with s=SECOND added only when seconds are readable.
h=6 m=35
